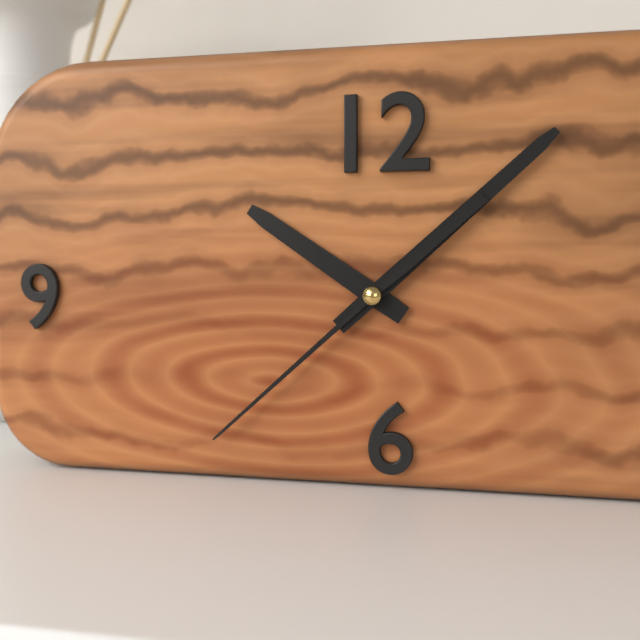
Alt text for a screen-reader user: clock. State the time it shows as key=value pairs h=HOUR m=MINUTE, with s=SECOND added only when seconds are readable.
h=10 m=8 s=38
